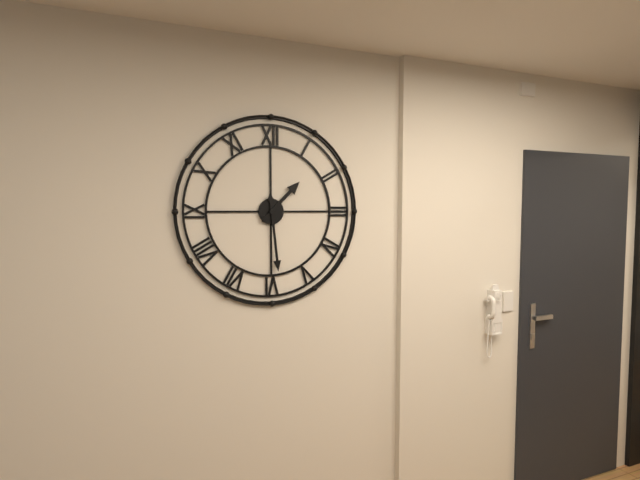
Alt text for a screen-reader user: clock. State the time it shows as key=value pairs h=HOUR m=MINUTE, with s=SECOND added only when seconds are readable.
h=1 m=29
